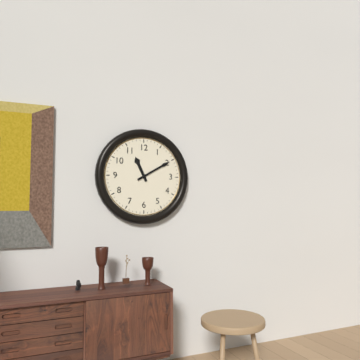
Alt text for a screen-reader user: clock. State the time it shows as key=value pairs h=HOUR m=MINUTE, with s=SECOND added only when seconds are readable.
h=11 m=10
